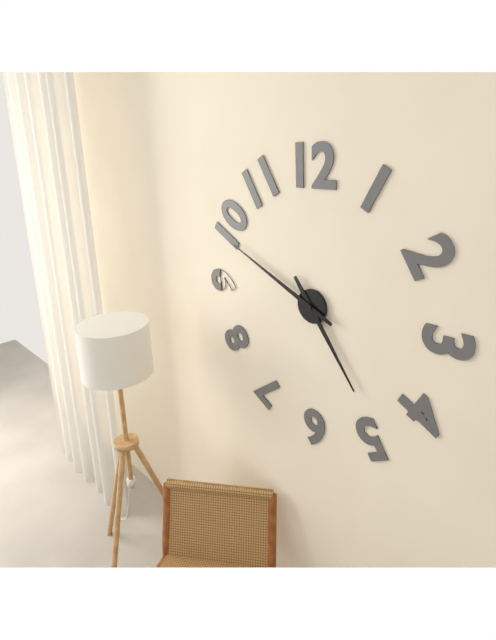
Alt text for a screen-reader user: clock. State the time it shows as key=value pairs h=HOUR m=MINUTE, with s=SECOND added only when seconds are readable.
h=4 m=49
